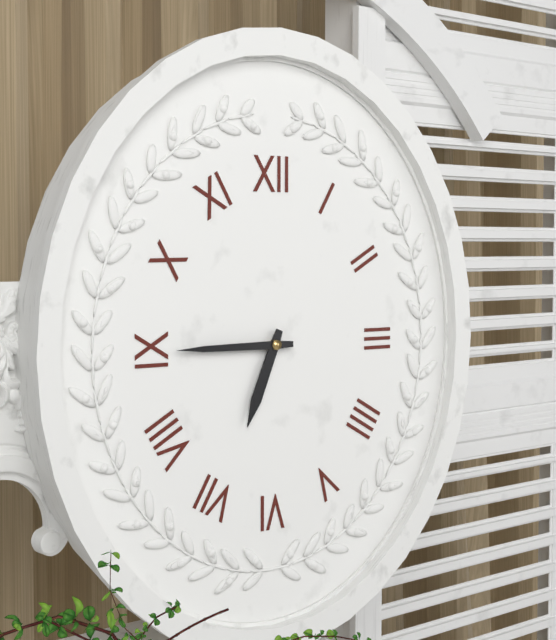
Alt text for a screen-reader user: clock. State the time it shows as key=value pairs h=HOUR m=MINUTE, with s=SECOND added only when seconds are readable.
h=6 m=45
